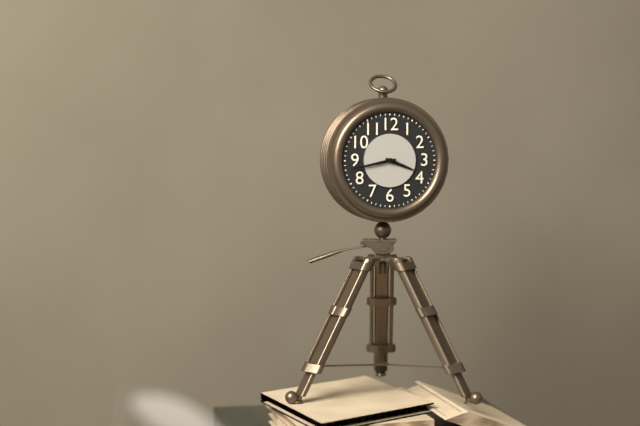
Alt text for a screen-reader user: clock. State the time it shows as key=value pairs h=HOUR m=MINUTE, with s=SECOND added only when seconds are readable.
h=3 m=43
